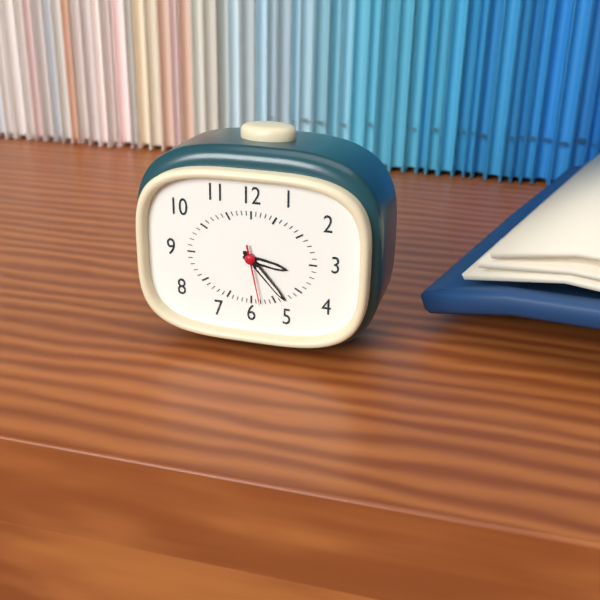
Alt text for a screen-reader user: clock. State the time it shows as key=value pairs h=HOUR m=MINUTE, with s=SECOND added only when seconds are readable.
h=3 m=23 s=28
